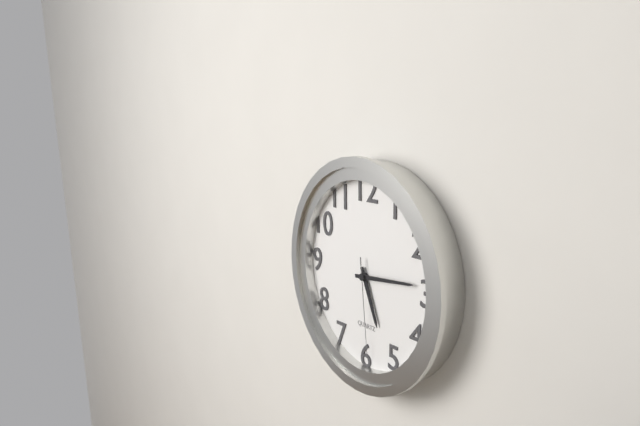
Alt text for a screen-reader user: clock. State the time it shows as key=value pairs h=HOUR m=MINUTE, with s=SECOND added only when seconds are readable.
h=5 m=14 s=29
